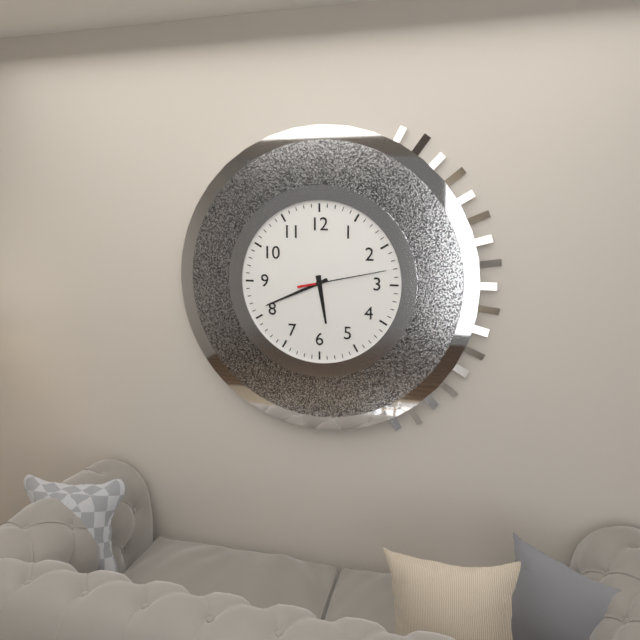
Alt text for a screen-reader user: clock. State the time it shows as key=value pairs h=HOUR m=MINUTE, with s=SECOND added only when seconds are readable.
h=5 m=41 s=13
